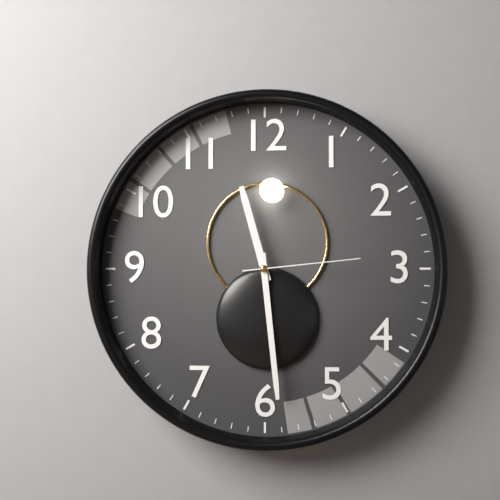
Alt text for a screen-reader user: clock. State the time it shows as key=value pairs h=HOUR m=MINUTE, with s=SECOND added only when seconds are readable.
h=11 m=29 s=14
